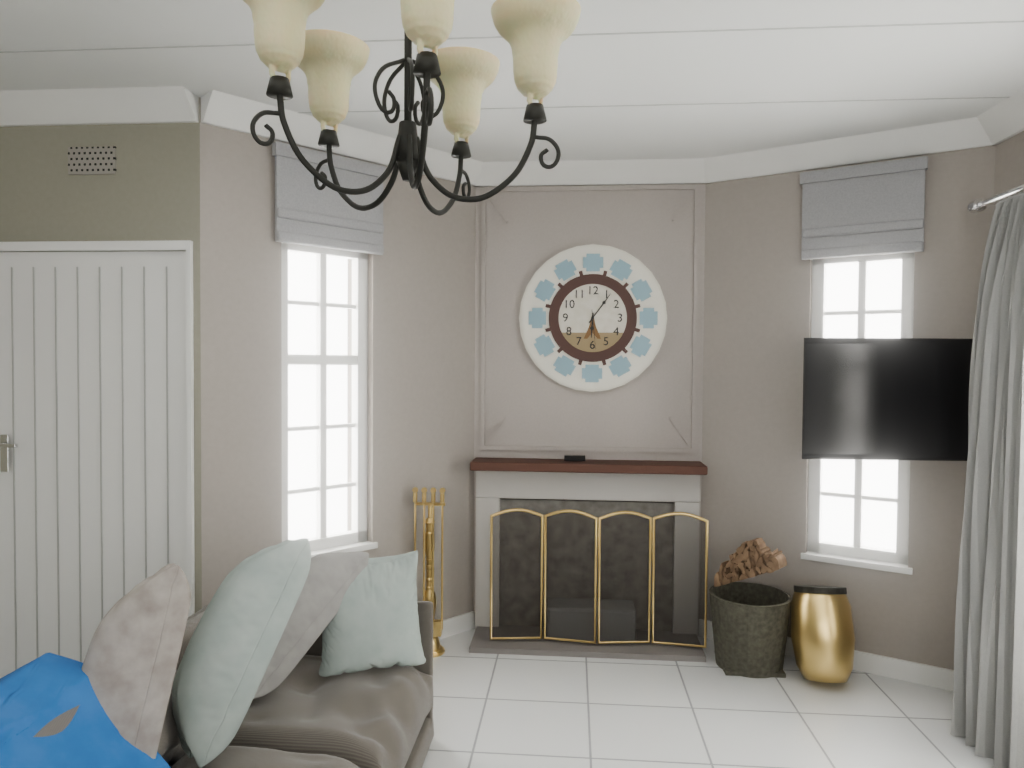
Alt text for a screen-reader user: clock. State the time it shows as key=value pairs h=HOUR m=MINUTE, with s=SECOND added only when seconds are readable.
h=6 m=6
